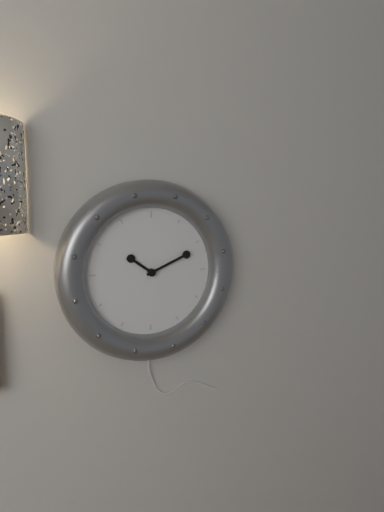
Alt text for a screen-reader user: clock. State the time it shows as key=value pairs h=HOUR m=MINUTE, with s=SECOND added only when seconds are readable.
h=10 m=11
